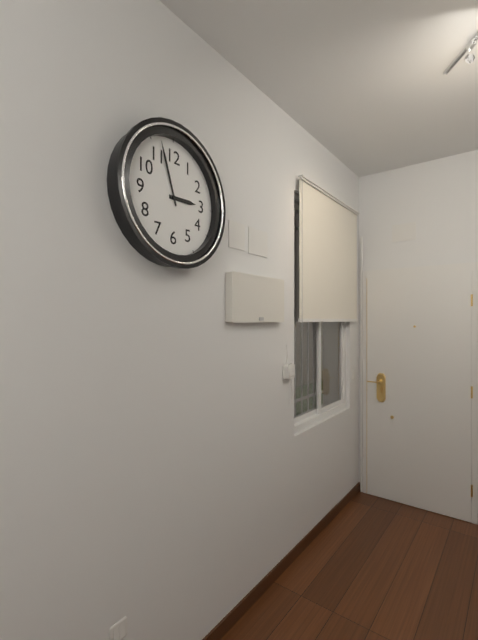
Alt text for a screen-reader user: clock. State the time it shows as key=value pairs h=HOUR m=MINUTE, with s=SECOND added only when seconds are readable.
h=2 m=57
